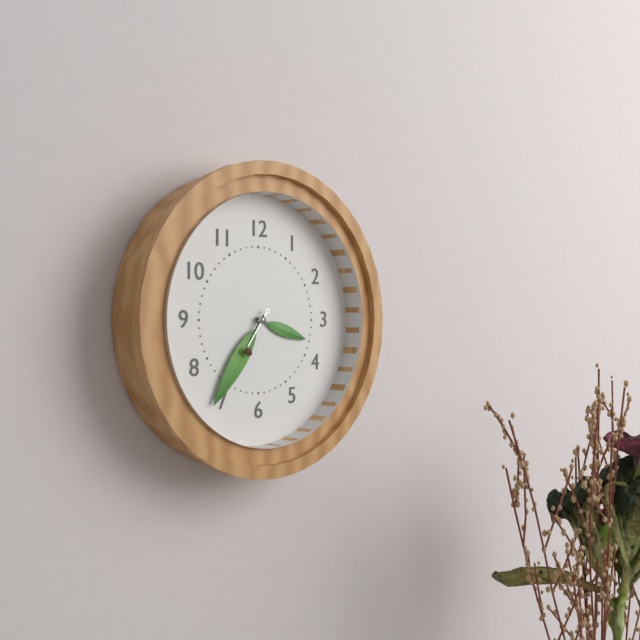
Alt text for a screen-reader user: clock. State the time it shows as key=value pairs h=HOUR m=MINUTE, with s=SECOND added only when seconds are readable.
h=3 m=36 s=36
